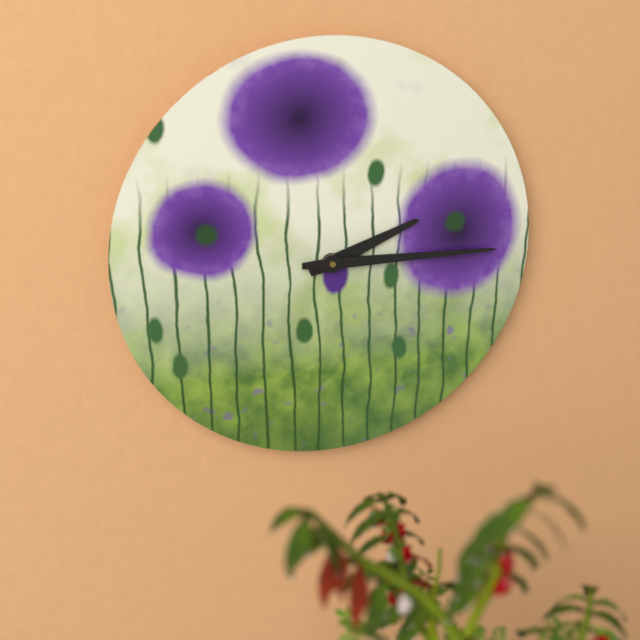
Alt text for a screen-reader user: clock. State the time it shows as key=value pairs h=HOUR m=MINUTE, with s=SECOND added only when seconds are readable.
h=2 m=15
